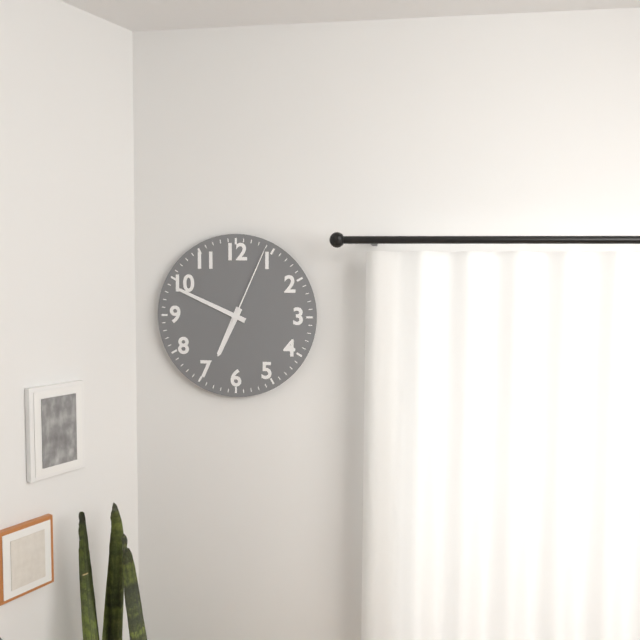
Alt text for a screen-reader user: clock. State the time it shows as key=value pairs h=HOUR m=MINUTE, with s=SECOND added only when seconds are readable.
h=6 m=49 s=4
